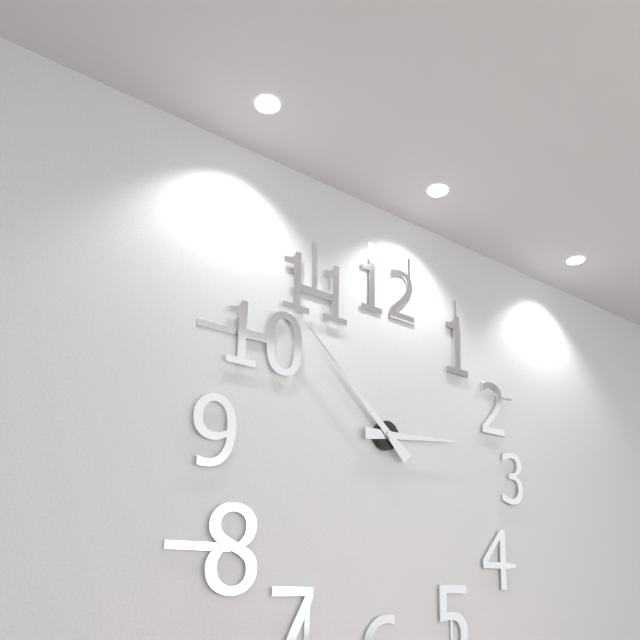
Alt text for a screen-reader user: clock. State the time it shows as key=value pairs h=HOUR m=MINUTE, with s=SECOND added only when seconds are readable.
h=2 m=52
